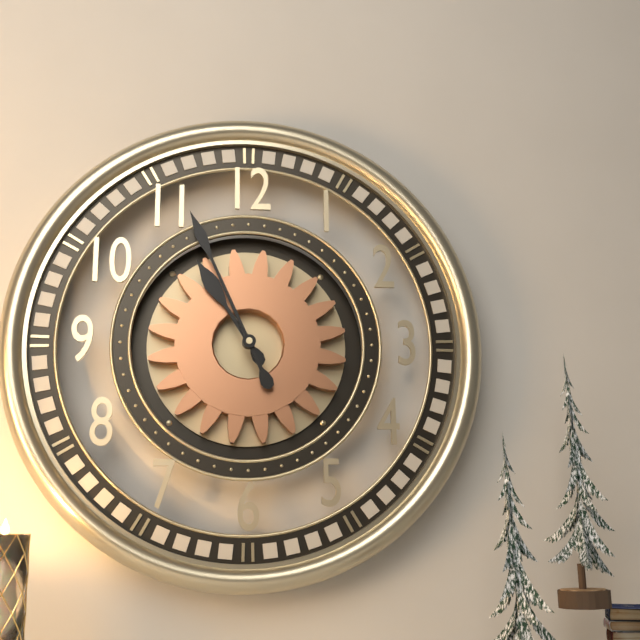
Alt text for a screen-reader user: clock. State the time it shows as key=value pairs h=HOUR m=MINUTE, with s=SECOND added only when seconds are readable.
h=10 m=56
